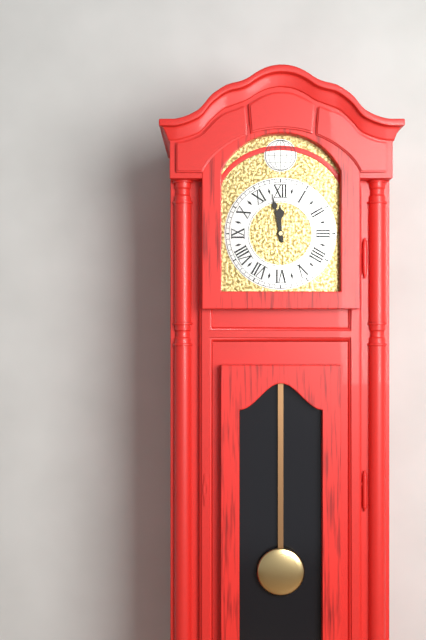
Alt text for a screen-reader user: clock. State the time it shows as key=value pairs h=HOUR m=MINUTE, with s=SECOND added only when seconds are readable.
h=11 m=58
